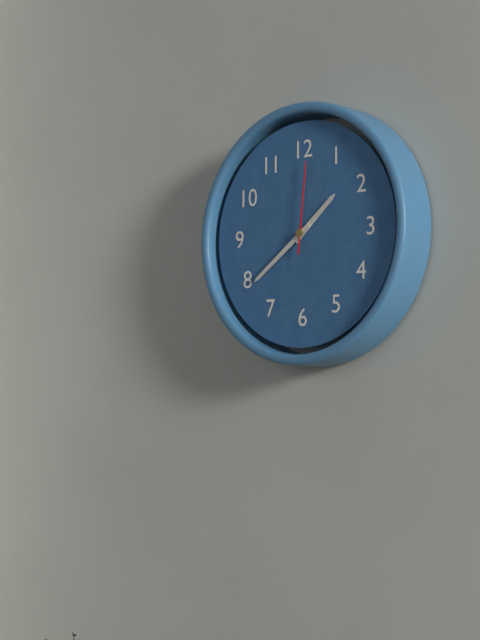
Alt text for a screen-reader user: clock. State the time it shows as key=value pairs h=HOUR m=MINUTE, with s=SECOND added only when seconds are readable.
h=1 m=39 s=1
